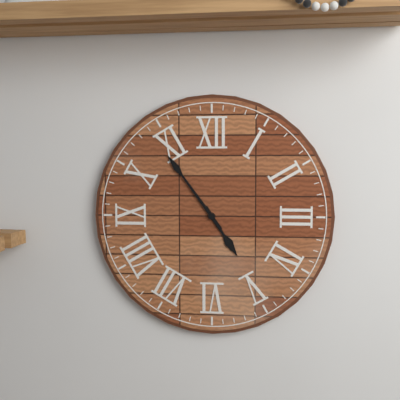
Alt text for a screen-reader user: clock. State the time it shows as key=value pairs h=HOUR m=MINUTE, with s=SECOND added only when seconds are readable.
h=4 m=54
